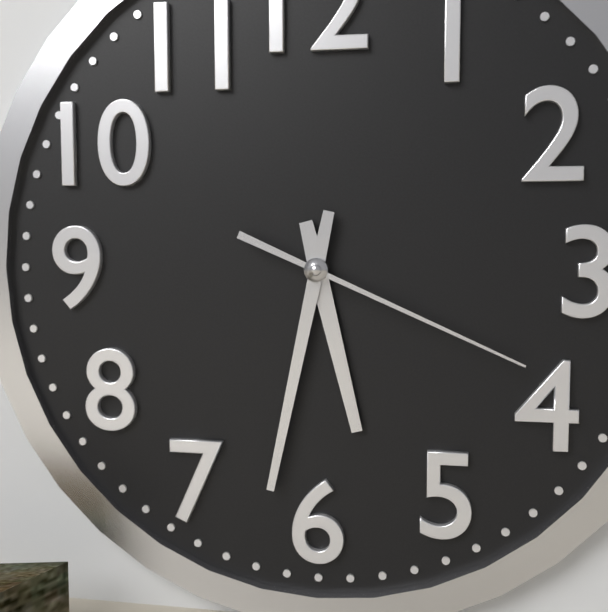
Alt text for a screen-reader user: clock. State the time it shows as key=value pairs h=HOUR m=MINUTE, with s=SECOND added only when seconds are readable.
h=5 m=32 s=19
